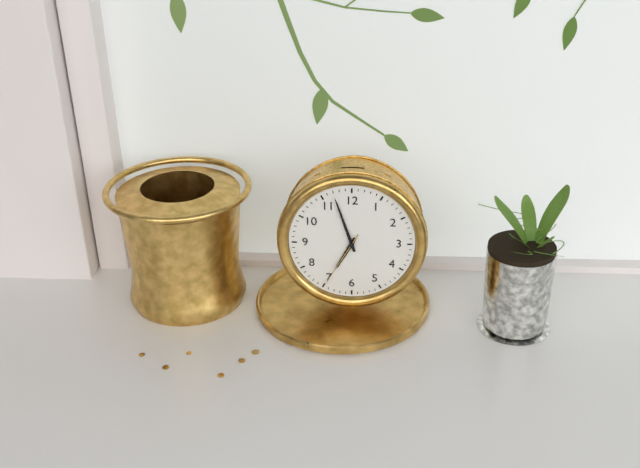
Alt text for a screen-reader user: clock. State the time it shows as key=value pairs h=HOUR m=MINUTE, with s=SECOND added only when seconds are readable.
h=6 m=57 s=35
